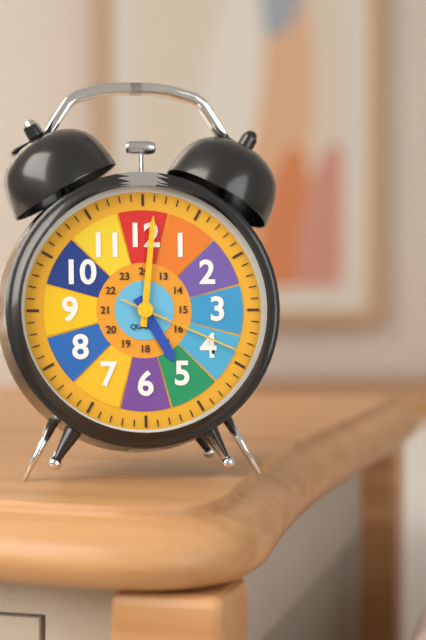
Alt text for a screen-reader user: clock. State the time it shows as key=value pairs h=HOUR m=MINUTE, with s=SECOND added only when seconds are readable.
h=5 m=1 s=19
